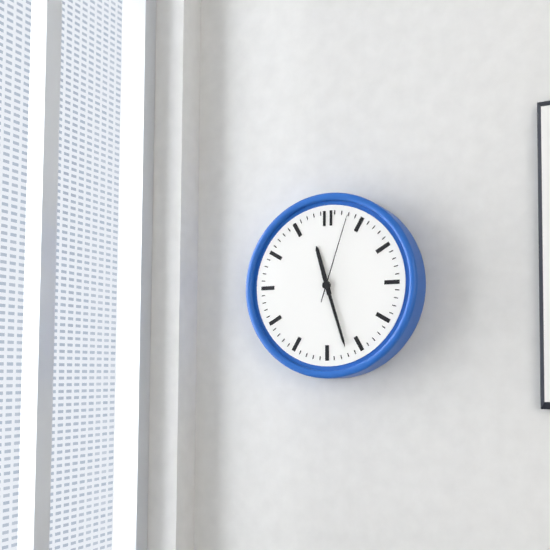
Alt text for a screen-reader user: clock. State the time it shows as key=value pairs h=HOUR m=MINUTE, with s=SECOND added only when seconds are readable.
h=11 m=27 s=3
